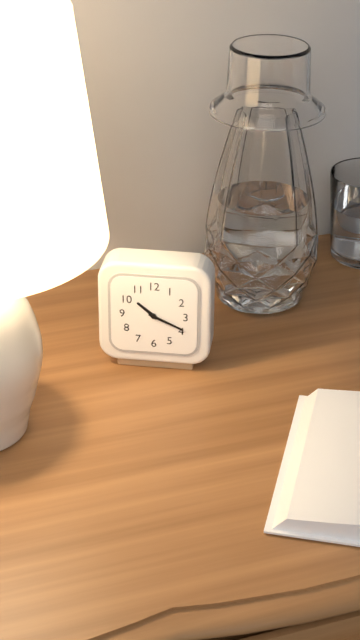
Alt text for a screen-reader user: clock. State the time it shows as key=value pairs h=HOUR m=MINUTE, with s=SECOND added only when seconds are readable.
h=10 m=19
